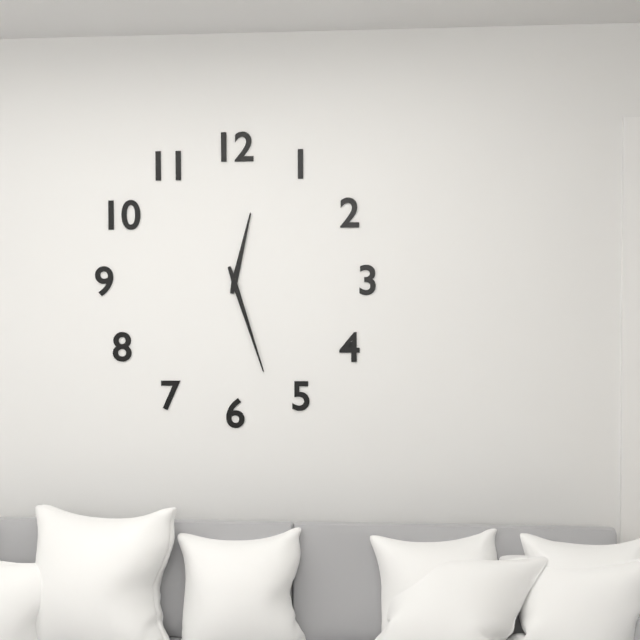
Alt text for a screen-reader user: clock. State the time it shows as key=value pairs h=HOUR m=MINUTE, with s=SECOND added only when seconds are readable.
h=12 m=27
